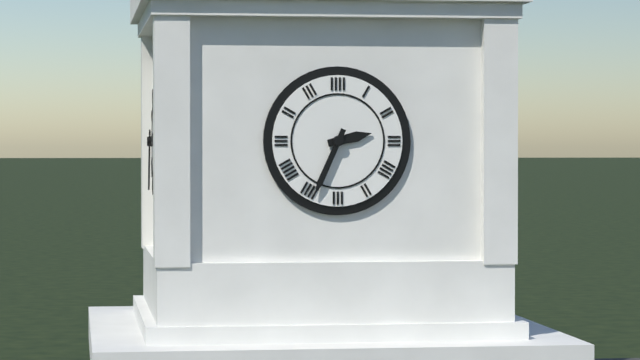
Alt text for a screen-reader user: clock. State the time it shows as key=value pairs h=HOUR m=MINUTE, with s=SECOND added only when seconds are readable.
h=2 m=34
